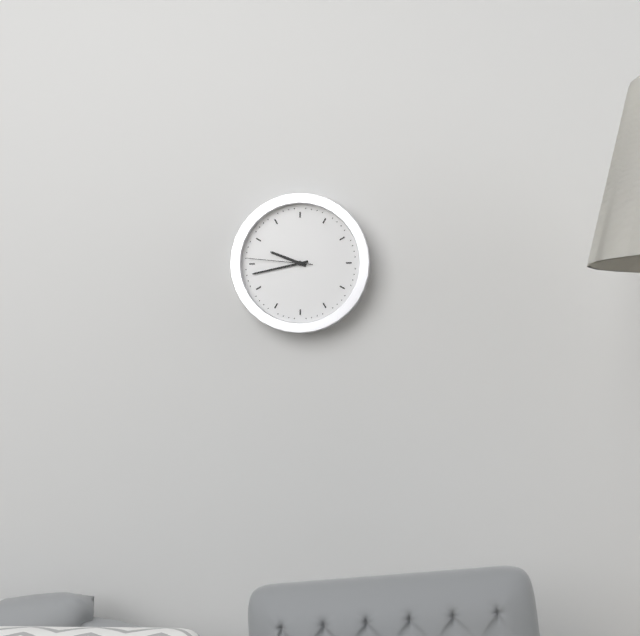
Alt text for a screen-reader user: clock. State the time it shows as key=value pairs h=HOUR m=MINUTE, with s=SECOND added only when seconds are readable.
h=9 m=43 s=46
